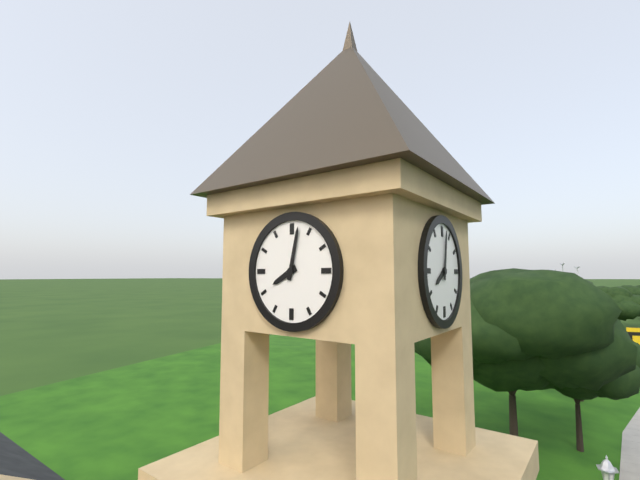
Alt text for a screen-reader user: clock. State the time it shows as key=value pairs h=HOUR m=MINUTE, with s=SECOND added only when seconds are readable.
h=8 m=2
